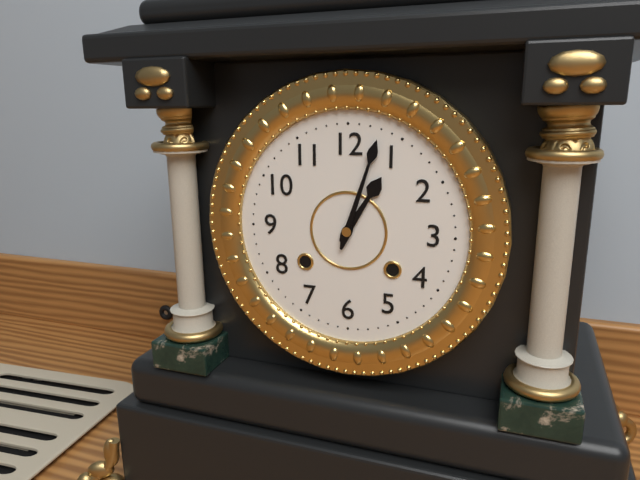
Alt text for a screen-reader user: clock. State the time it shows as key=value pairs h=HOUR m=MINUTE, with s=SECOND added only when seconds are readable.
h=1 m=3
